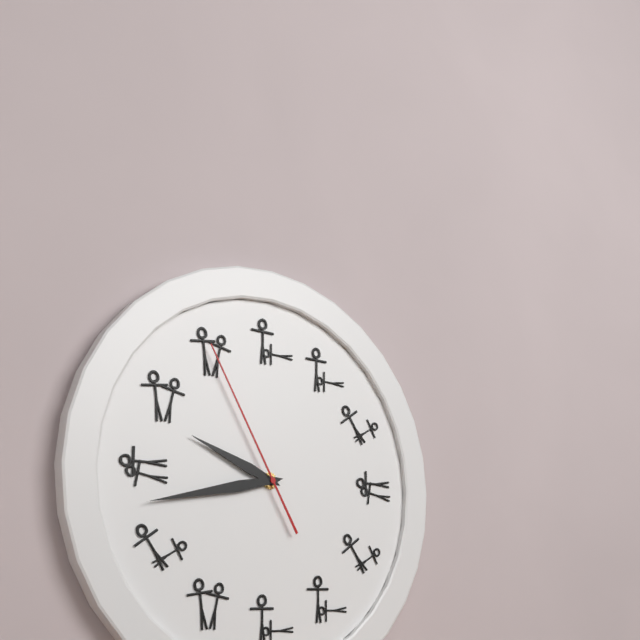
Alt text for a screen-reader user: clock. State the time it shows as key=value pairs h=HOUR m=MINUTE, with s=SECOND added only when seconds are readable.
h=9 m=43 s=55
